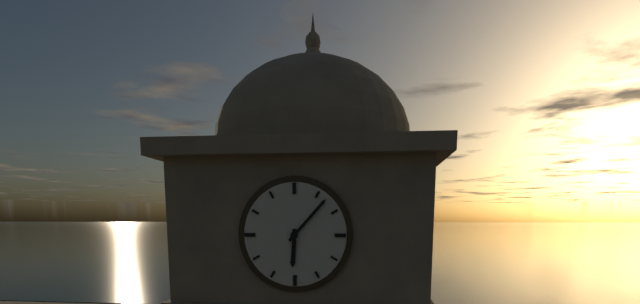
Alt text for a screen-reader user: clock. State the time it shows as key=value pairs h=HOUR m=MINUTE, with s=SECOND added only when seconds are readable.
h=6 m=7
